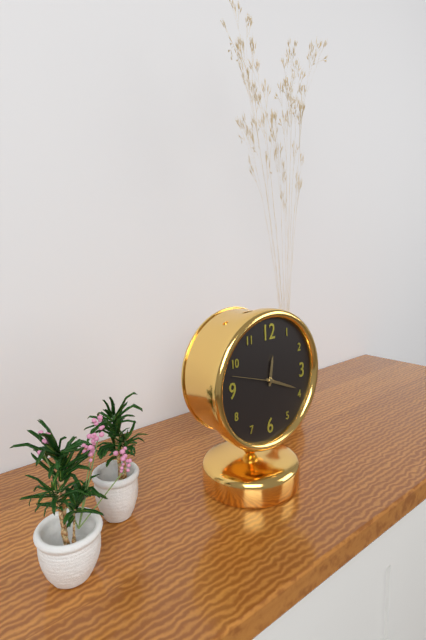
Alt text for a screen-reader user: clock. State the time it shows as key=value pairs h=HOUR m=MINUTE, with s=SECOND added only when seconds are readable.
h=12 m=19
